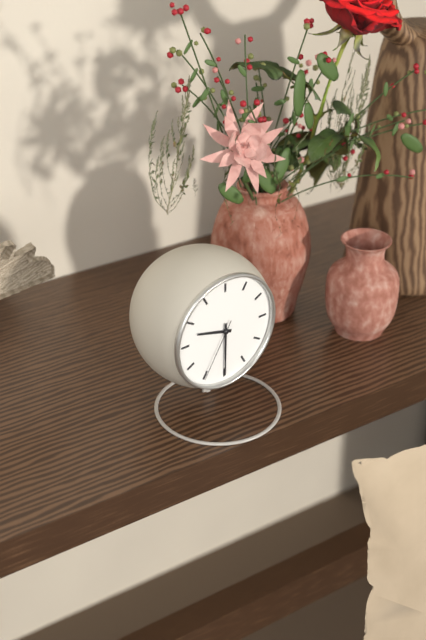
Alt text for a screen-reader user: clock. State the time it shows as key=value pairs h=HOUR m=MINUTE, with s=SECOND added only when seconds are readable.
h=9 m=30 s=35
